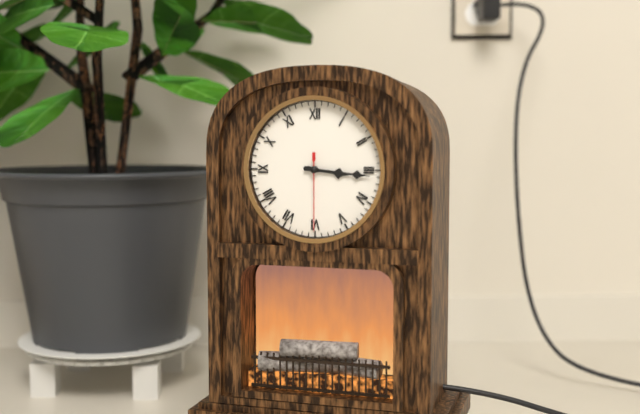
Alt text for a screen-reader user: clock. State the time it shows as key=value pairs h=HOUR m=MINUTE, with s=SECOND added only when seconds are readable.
h=3 m=16 s=30
